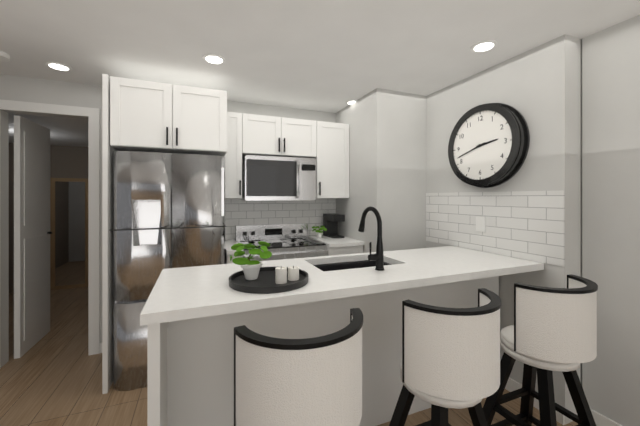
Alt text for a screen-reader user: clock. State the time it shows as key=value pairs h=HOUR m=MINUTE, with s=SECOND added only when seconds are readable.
h=2 m=42
